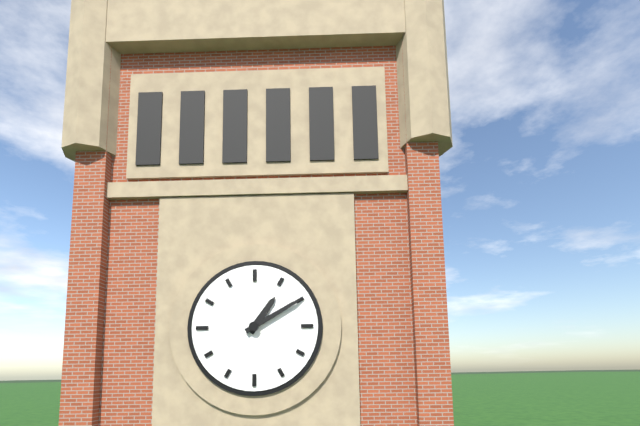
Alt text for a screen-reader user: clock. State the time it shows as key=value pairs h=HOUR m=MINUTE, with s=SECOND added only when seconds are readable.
h=1 m=10
